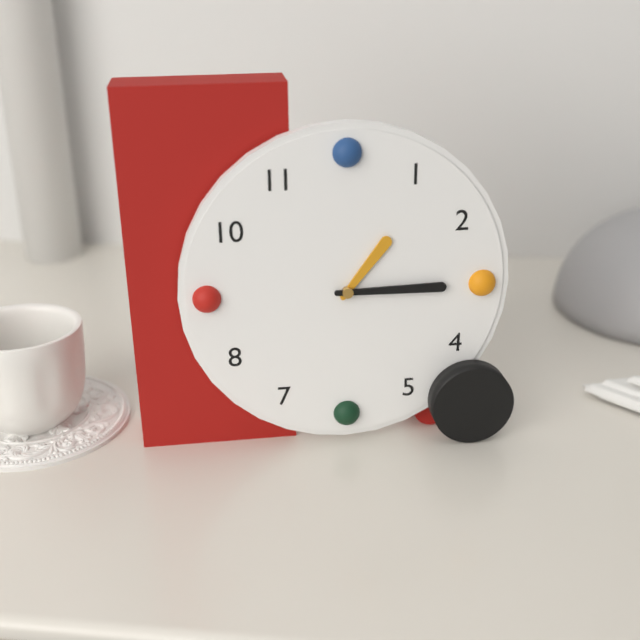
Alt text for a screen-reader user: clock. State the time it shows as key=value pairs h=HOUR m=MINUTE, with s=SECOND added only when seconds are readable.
h=1 m=15
